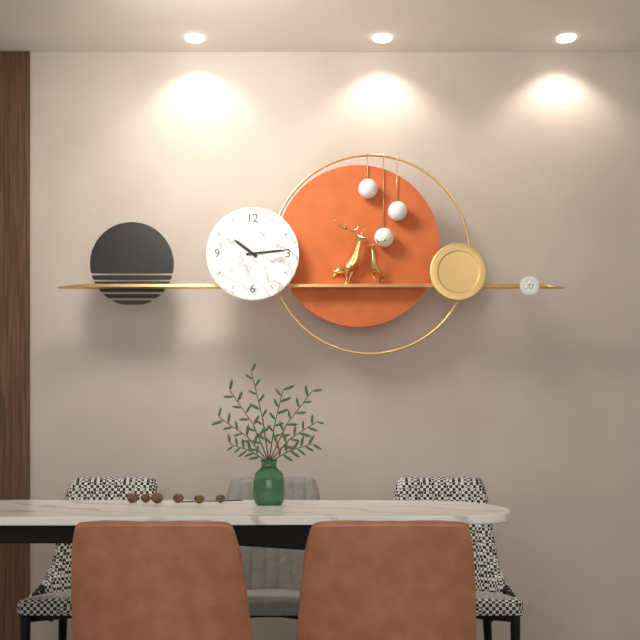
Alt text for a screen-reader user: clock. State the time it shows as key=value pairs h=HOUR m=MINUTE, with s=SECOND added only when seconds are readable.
h=10 m=14
